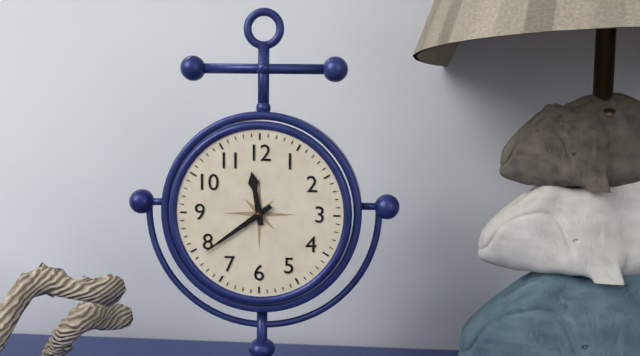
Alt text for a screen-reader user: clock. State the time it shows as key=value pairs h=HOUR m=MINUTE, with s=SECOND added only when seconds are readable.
h=11 m=39
